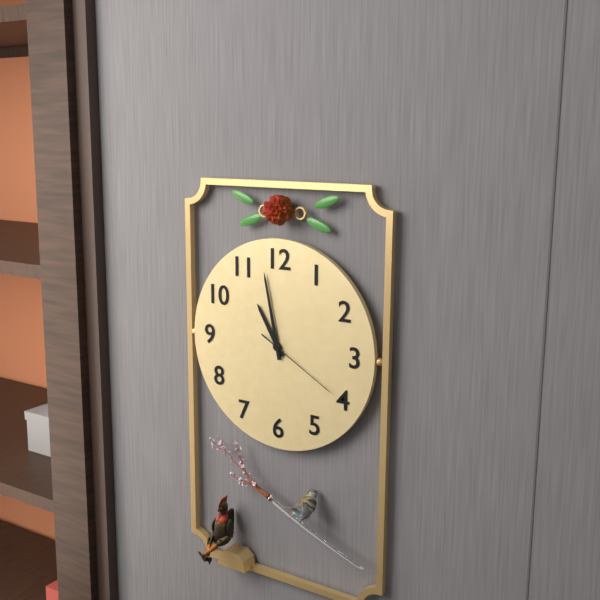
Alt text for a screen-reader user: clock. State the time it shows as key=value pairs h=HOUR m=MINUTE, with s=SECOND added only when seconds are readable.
h=10 m=58 s=20
